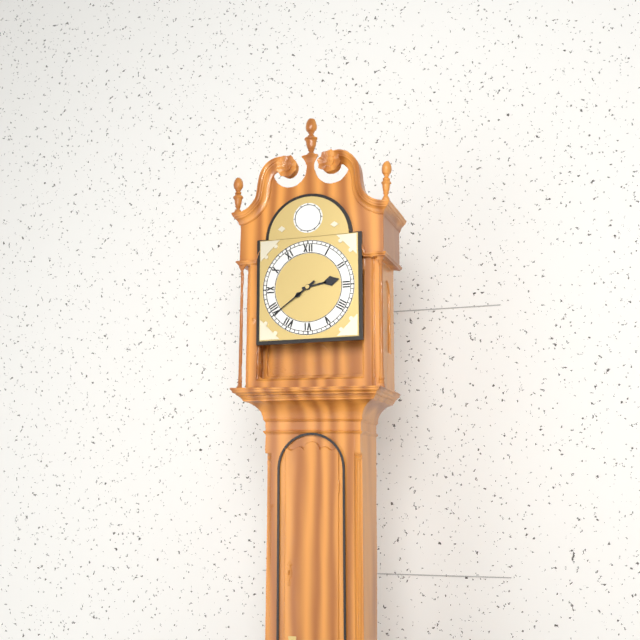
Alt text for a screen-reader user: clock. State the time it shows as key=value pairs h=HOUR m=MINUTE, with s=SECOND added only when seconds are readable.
h=2 m=39
